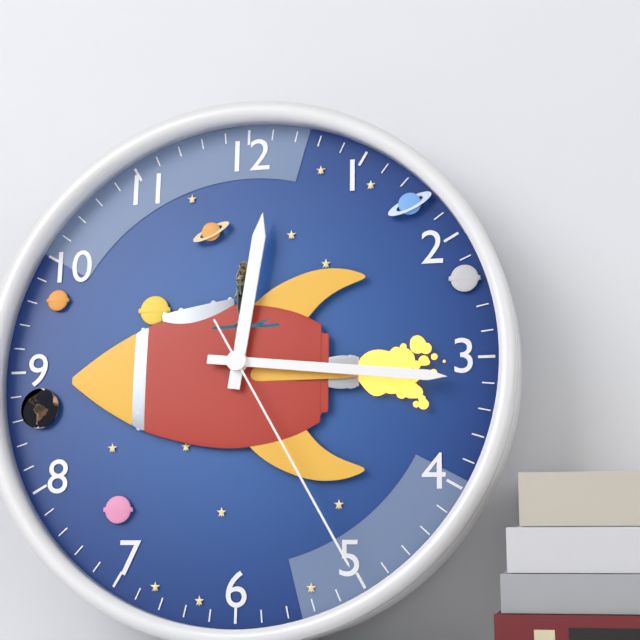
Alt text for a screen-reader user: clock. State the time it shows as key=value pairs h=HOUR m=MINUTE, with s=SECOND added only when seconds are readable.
h=12 m=16 s=25
